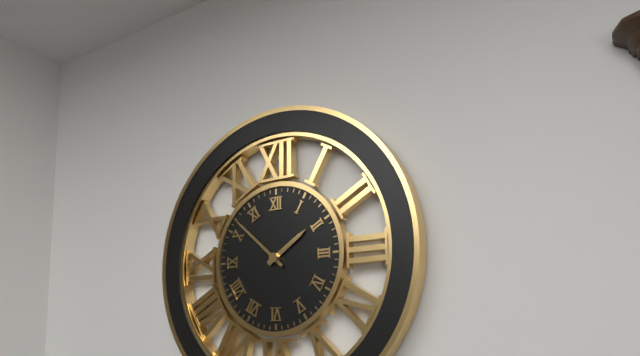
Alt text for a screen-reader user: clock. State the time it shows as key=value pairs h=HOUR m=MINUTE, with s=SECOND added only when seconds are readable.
h=1 m=52
